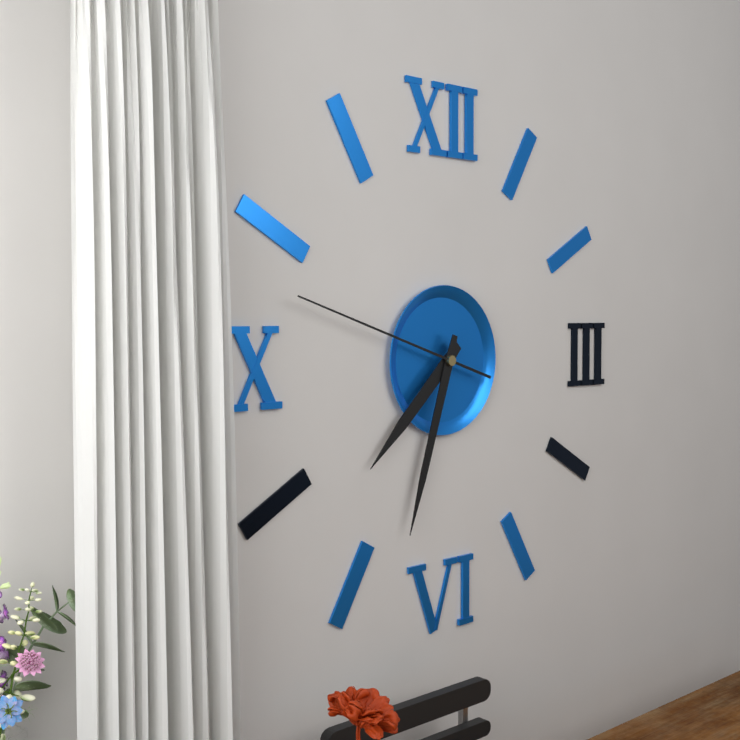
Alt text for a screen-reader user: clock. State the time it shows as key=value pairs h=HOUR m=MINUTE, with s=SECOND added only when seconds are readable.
h=7 m=33 s=48
